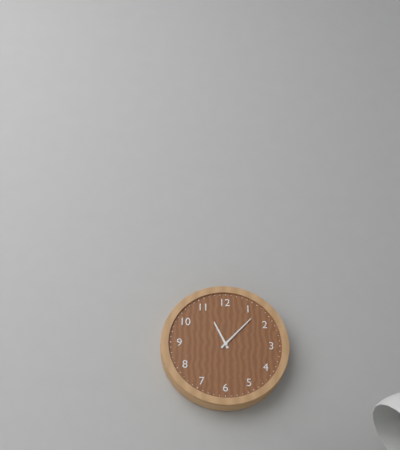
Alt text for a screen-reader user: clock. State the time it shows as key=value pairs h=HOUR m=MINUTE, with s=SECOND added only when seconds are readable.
h=11 m=7
